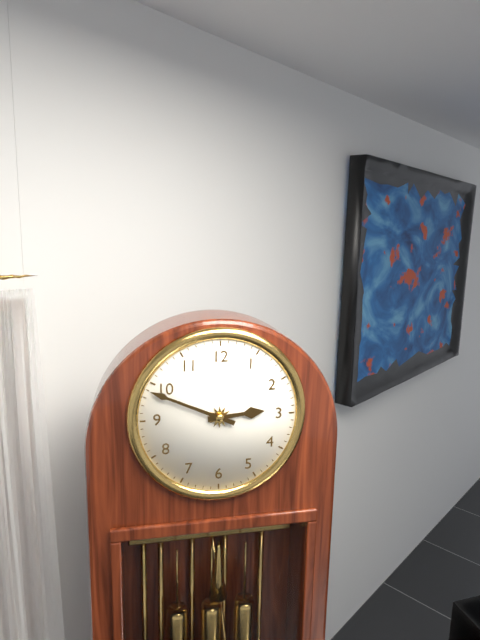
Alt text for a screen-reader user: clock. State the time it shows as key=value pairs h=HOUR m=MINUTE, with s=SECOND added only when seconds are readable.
h=2 m=49
